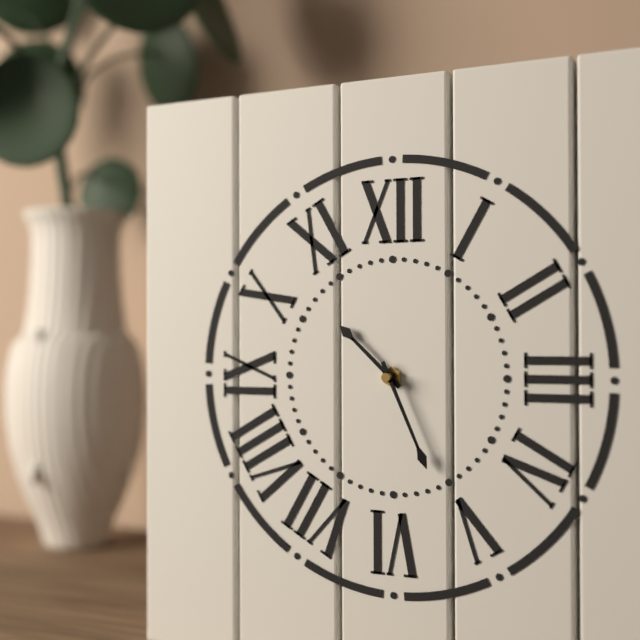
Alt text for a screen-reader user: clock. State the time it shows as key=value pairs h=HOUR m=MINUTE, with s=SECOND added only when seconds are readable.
h=10 m=26
